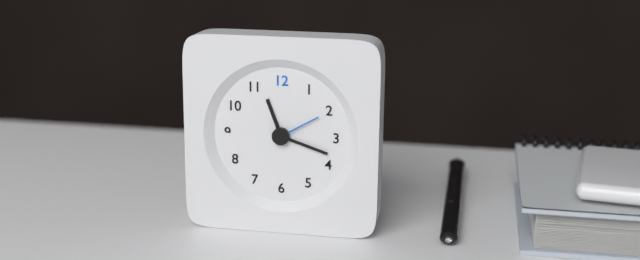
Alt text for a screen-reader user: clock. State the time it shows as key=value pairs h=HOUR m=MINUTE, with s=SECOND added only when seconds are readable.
h=11 m=18 s=10
